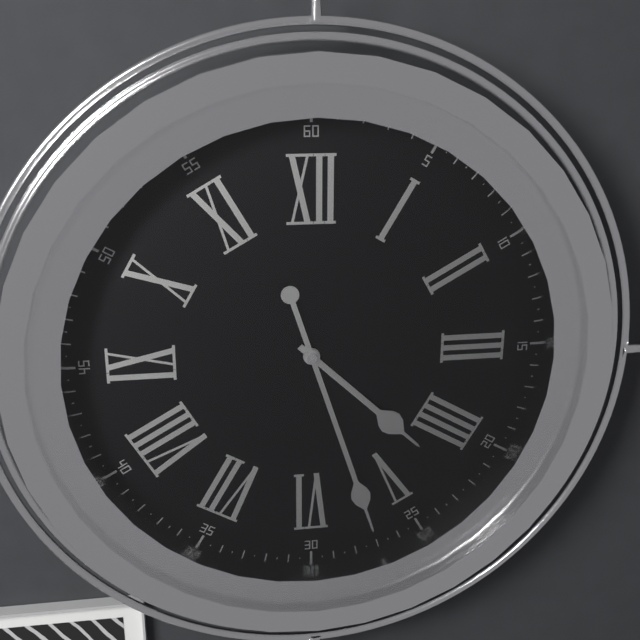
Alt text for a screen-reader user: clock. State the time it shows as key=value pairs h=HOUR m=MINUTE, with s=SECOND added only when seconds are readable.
h=4 m=27
